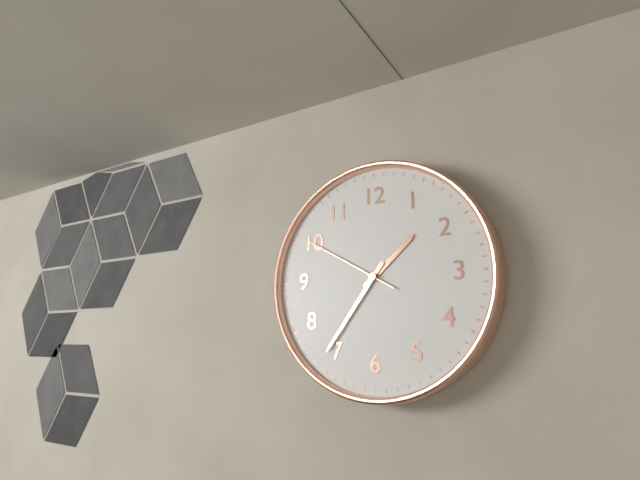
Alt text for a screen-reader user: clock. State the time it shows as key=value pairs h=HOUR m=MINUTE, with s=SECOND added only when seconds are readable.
h=1 m=36 s=50
